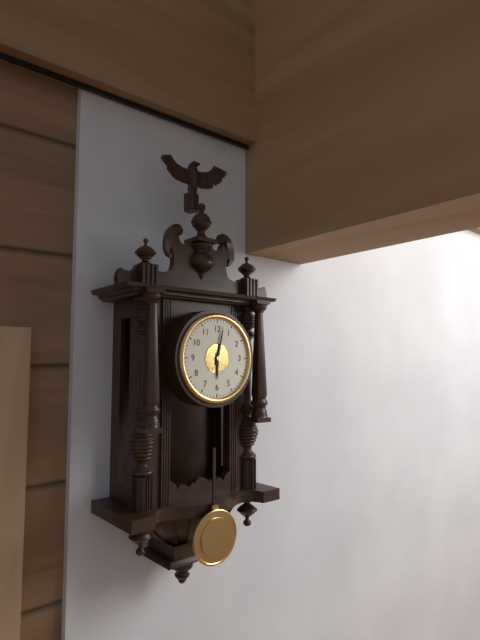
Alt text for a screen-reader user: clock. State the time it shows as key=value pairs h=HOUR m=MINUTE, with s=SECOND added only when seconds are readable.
h=6 m=2
